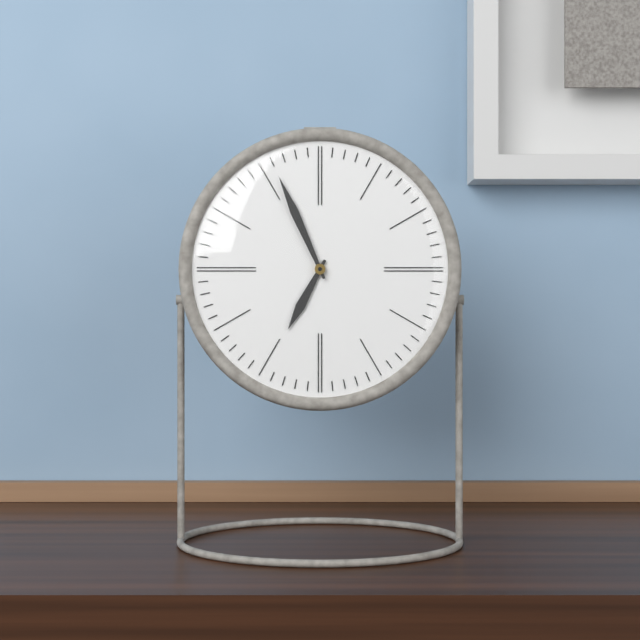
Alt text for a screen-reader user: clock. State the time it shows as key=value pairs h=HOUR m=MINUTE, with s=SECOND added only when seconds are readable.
h=6 m=56
